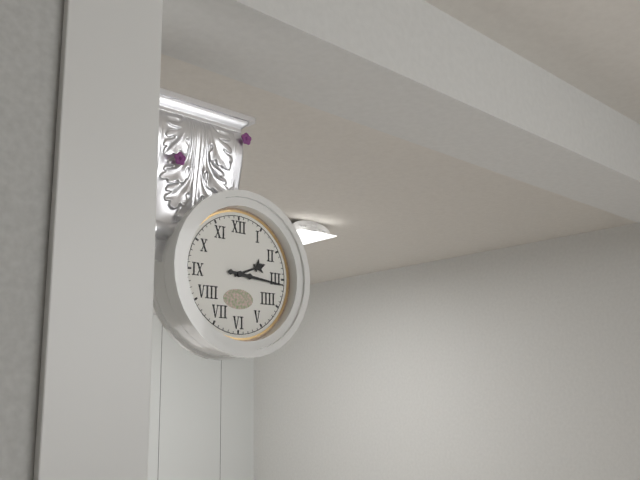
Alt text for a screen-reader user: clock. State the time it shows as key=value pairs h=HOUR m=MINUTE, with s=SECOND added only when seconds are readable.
h=2 m=16
